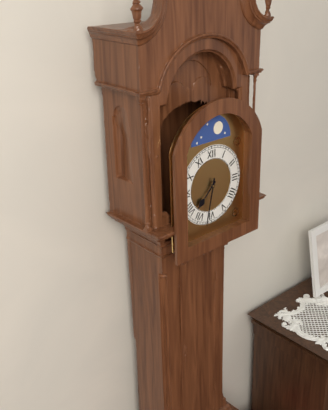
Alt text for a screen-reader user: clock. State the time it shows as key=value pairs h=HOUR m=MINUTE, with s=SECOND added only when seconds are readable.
h=7 m=32
